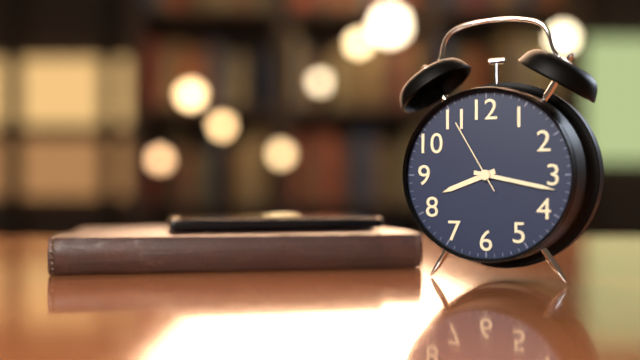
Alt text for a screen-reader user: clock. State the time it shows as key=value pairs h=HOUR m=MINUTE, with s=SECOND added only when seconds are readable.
h=8 m=17 s=55
